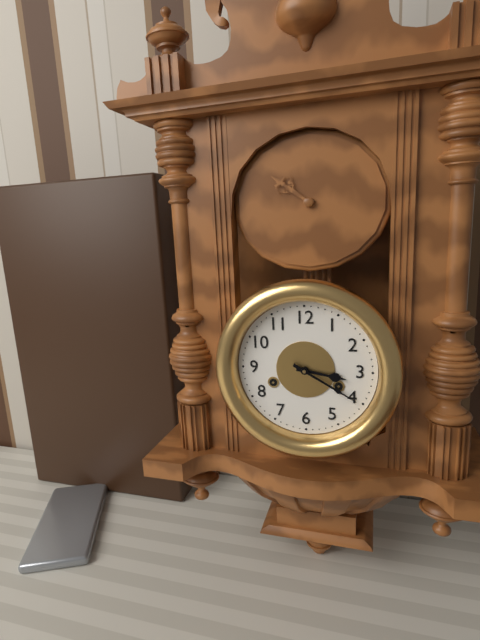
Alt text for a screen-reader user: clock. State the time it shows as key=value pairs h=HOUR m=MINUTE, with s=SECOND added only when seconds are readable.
h=3 m=20
